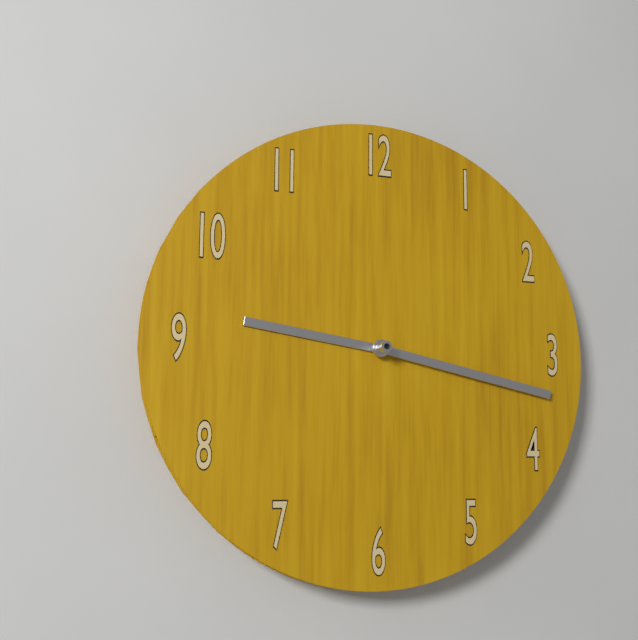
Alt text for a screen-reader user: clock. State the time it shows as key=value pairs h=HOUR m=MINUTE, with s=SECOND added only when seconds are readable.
h=9 m=17
